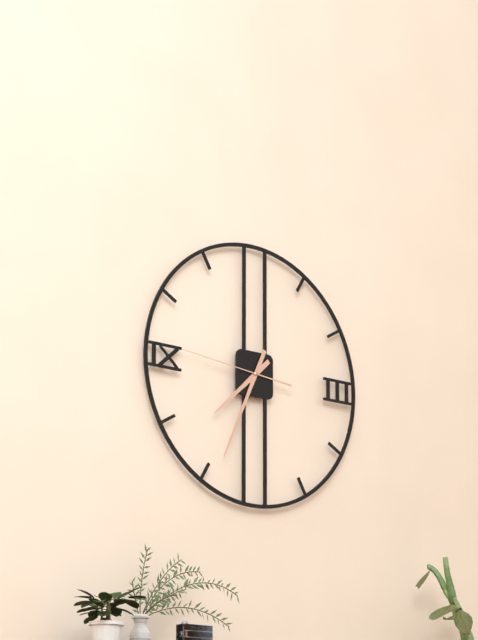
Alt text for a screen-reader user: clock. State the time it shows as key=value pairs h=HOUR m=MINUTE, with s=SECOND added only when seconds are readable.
h=7 m=34 s=46
